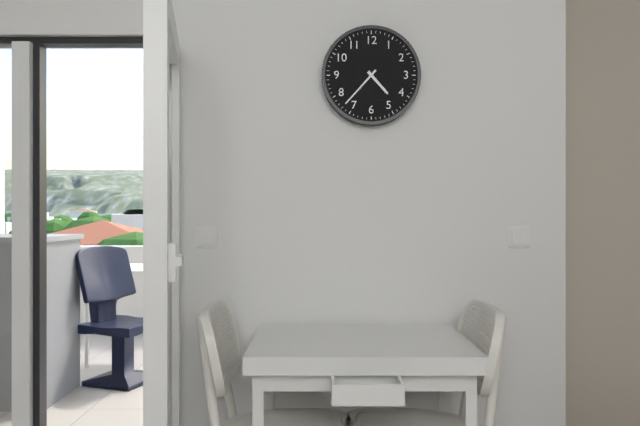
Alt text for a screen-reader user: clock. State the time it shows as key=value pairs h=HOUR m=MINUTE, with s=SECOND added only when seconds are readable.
h=4 m=37
